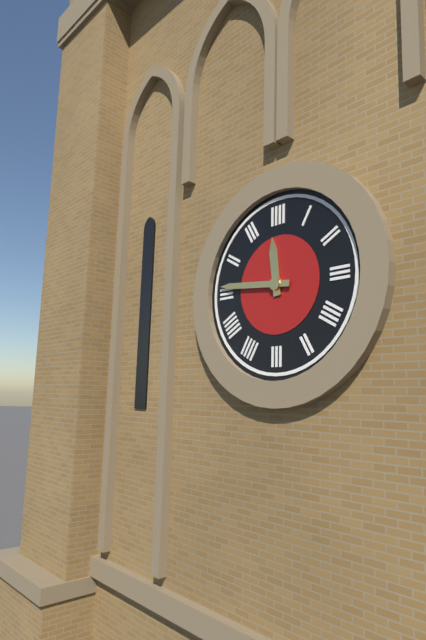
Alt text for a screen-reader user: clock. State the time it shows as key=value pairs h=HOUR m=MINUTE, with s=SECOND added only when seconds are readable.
h=11 m=46
